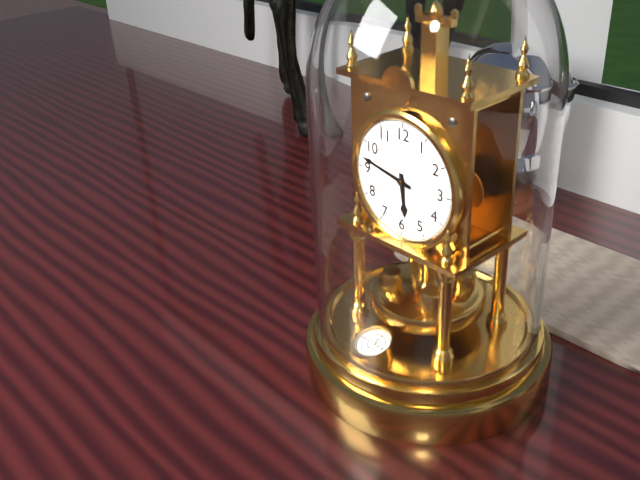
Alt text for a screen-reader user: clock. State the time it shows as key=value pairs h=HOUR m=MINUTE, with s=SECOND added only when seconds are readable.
h=5 m=47
